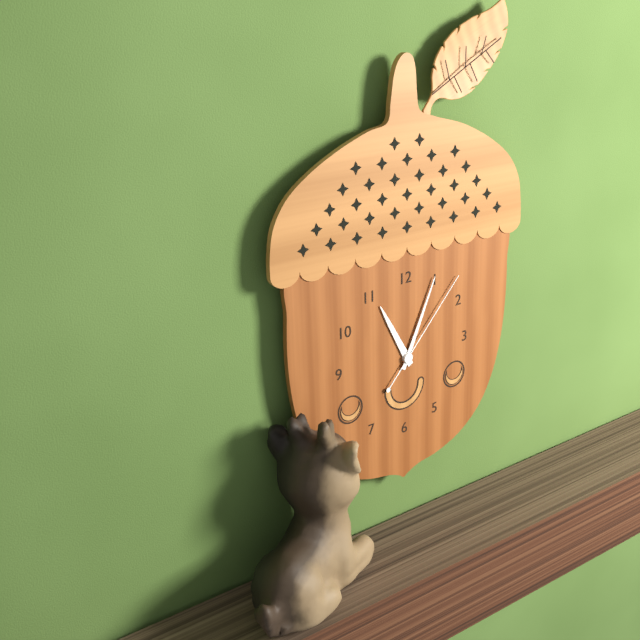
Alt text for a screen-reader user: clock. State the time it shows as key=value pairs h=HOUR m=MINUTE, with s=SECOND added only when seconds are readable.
h=11 m=4 s=7
